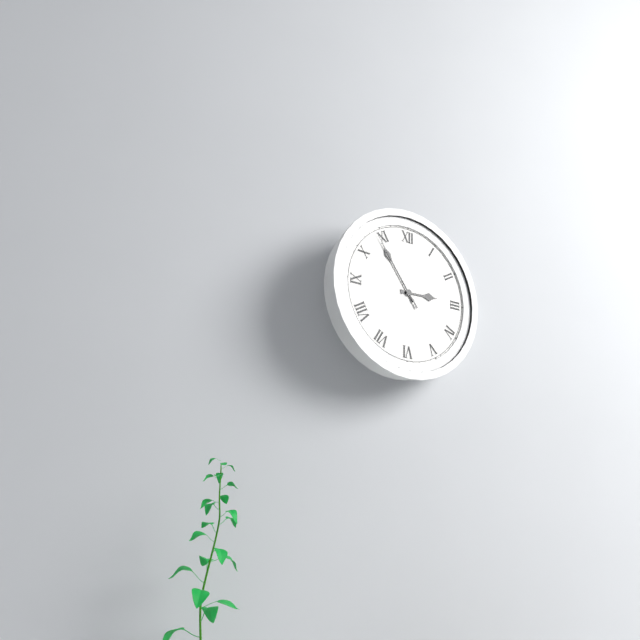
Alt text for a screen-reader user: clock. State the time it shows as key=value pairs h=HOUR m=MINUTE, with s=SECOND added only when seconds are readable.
h=2 m=54 s=54
